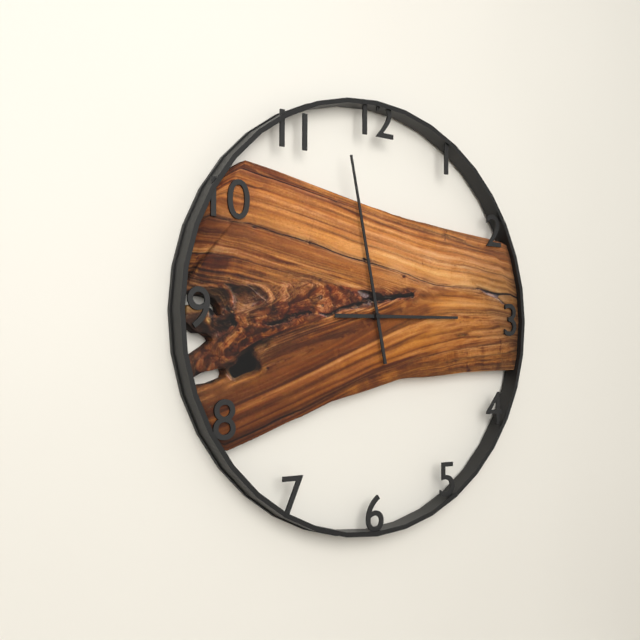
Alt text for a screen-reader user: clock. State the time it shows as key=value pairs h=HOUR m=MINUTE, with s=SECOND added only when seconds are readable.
h=2 m=58
